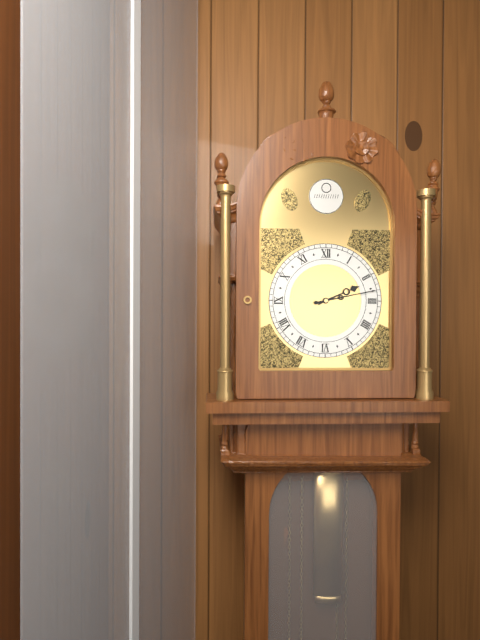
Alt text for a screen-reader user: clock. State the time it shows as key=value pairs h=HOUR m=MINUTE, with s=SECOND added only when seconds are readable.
h=2 m=13
